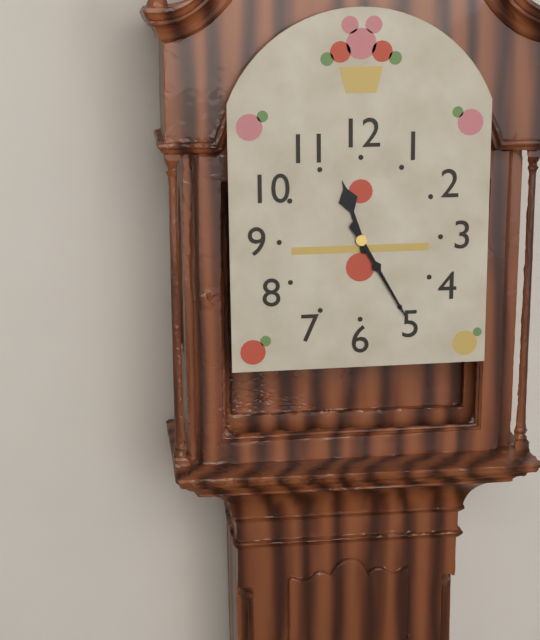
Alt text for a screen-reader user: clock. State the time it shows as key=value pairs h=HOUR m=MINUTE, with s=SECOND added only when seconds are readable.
h=11 m=25
